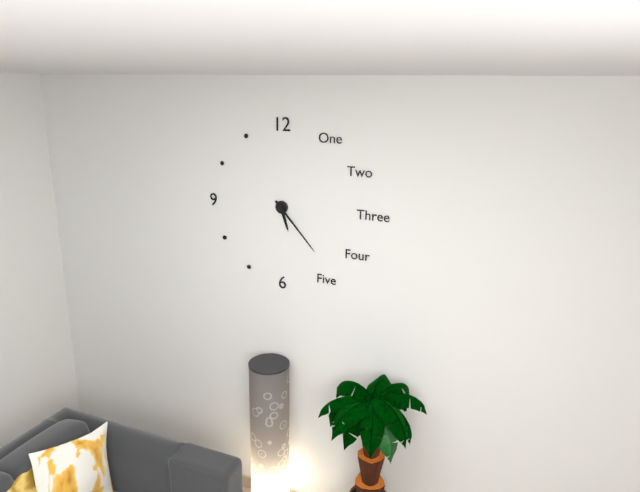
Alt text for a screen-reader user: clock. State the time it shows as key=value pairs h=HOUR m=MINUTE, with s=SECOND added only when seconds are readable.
h=5 m=23
